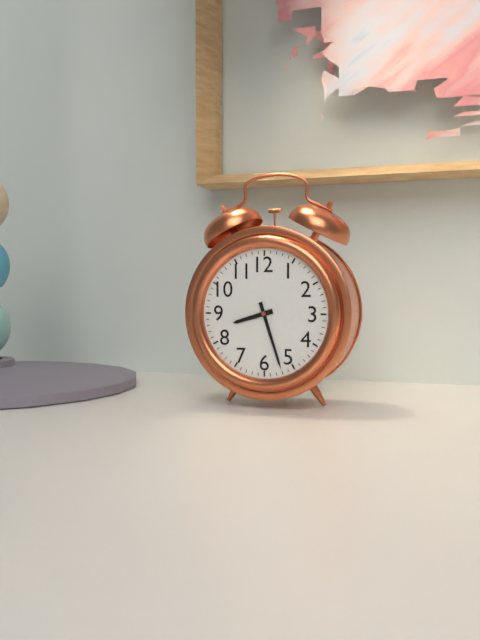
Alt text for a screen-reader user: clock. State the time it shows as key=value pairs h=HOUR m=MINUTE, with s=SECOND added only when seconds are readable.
h=8 m=27
